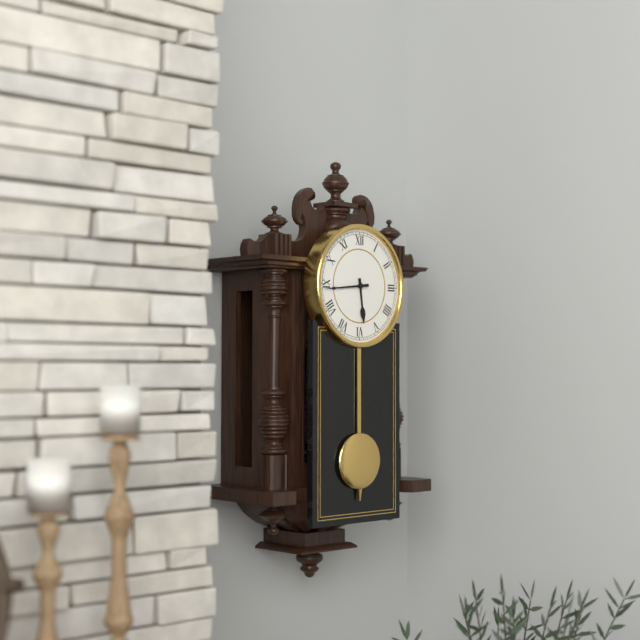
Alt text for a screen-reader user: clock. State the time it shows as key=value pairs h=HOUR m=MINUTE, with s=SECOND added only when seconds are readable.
h=5 m=44
